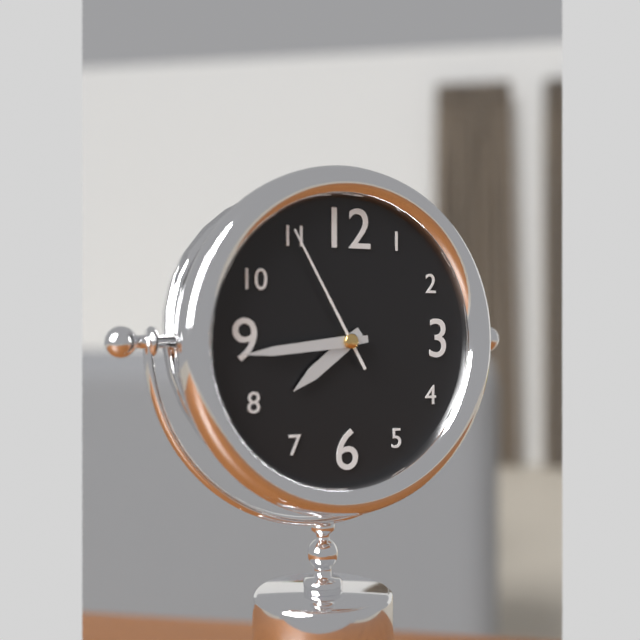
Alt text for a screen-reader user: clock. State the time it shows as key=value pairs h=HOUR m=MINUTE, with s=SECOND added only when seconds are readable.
h=7 m=44 s=55
